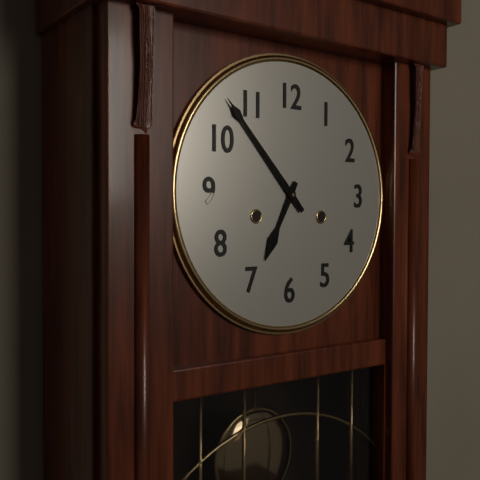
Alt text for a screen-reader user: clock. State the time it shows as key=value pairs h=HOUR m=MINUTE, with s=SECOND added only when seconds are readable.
h=6 m=53
